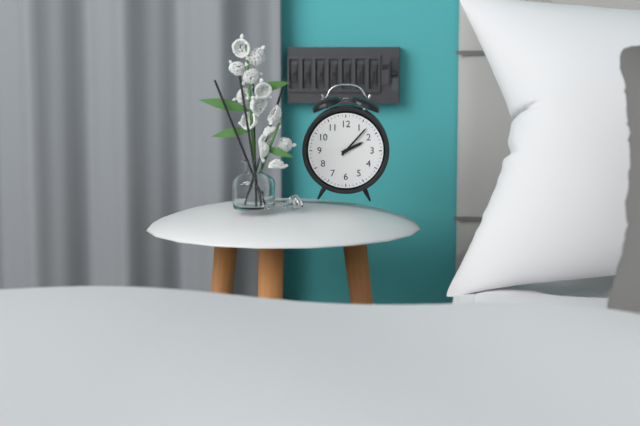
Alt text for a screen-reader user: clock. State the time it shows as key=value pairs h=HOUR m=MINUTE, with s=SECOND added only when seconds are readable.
h=2 m=7
